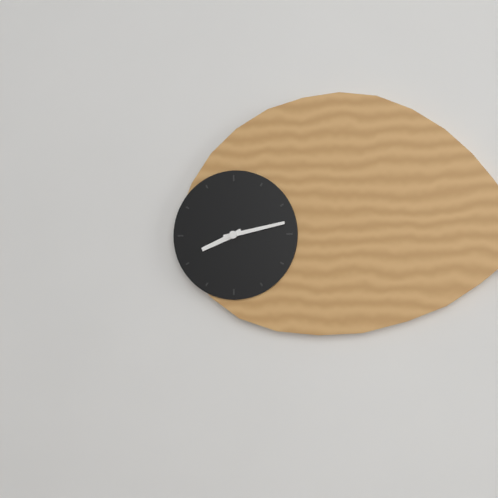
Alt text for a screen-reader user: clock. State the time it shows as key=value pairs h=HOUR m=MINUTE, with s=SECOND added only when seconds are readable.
h=8 m=13
